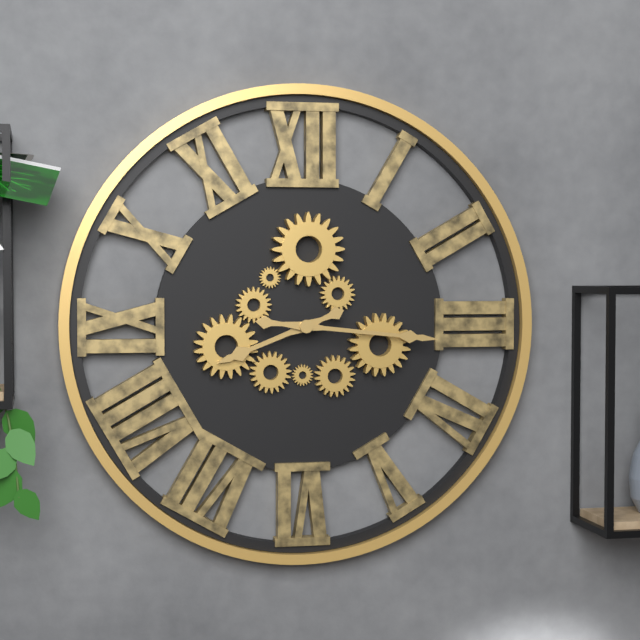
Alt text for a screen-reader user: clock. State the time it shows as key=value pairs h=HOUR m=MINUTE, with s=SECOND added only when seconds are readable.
h=8 m=16
